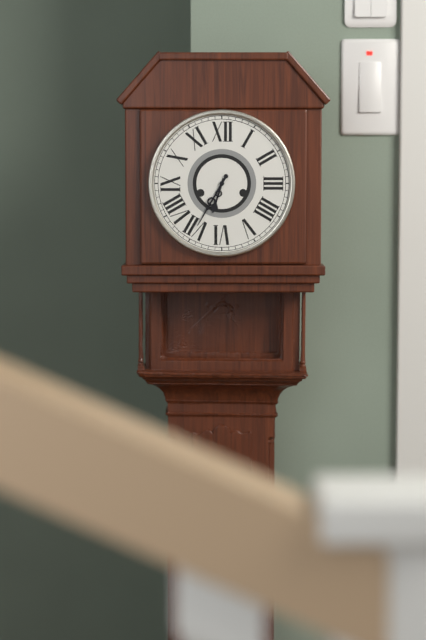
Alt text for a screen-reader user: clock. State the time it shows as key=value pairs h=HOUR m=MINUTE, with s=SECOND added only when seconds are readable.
h=6 m=35
